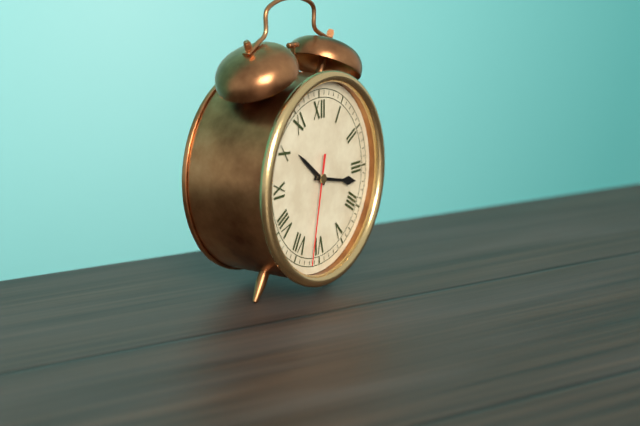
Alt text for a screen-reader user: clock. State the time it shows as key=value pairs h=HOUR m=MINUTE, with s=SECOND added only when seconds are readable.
h=10 m=17 s=32
